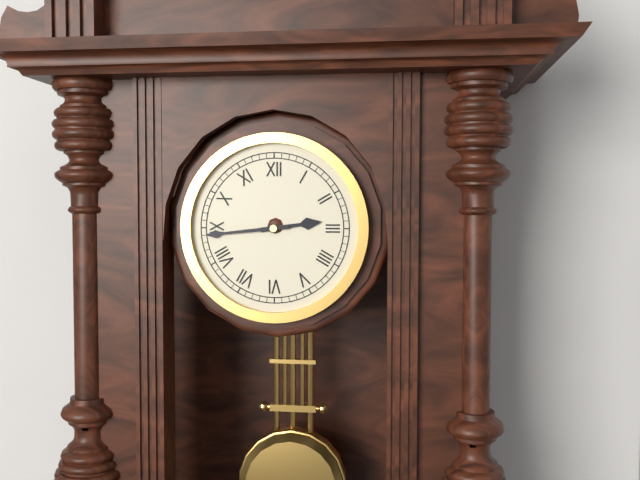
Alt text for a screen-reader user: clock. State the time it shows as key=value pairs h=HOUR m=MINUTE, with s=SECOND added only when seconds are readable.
h=2 m=44
